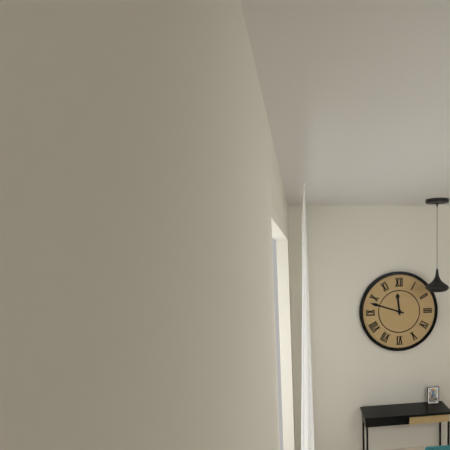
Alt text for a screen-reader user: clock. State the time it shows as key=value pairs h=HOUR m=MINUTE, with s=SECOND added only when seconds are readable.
h=11 m=48
